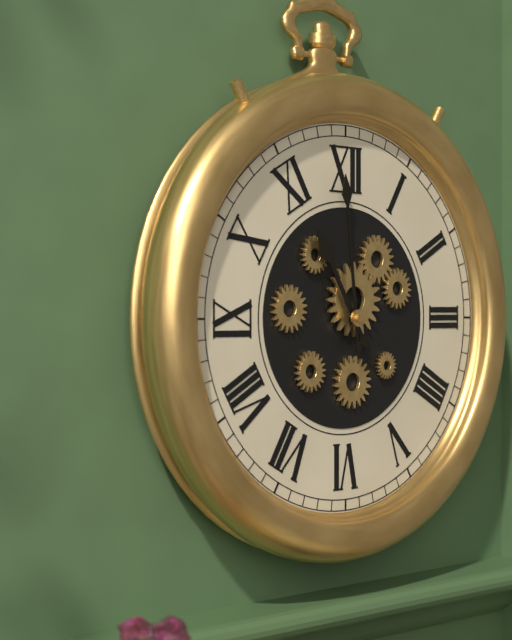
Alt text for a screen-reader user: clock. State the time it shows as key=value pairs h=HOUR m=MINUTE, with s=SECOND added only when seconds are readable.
h=10 m=59
